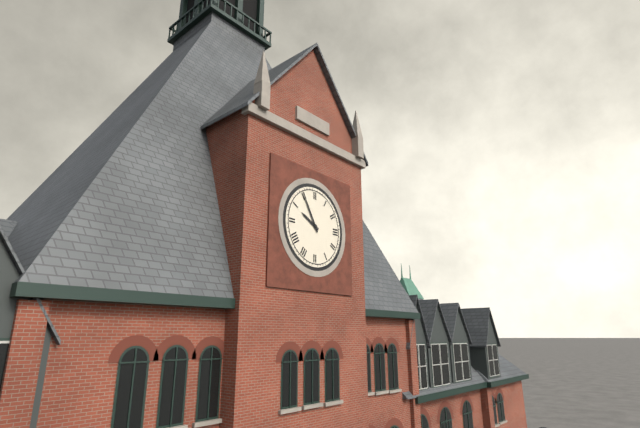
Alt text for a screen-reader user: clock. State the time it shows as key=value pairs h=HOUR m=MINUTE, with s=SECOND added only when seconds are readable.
h=9 m=55
